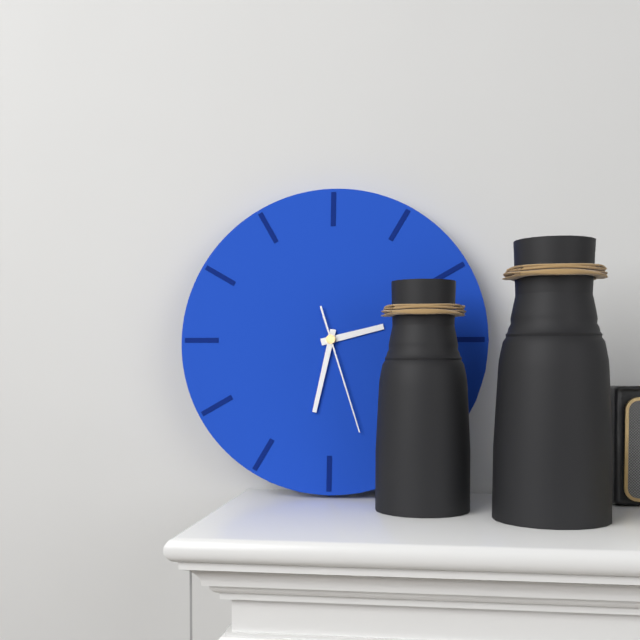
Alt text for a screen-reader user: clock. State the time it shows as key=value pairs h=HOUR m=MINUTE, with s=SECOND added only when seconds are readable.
h=2 m=32 s=27
